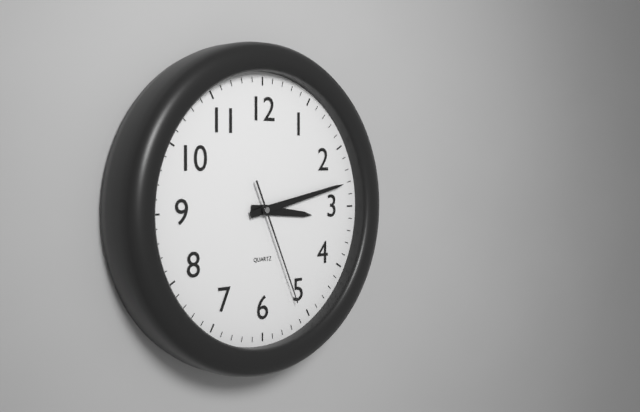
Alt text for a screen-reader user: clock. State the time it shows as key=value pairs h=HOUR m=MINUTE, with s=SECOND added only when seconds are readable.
h=3 m=13 s=26
